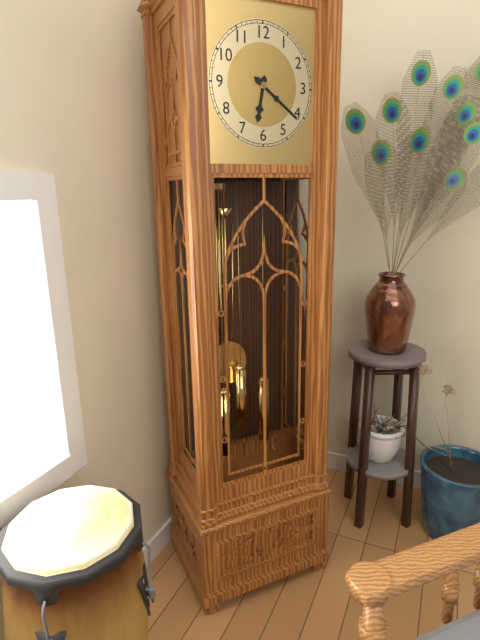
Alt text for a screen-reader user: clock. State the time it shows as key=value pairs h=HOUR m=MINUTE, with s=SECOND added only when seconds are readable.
h=6 m=21
